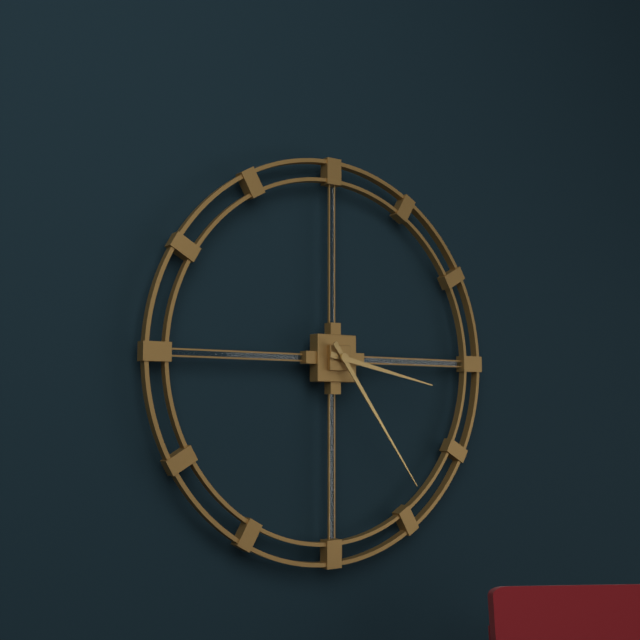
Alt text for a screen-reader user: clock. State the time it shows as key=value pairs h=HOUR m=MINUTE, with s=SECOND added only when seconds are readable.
h=3 m=24
